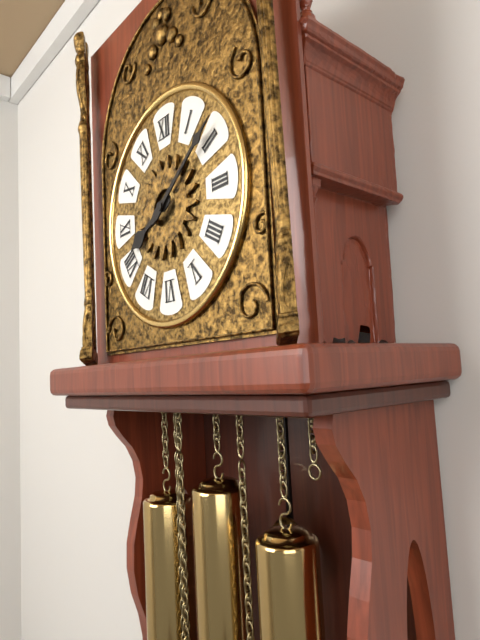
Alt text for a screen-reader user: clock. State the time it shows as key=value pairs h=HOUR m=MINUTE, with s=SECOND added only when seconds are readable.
h=8 m=9
